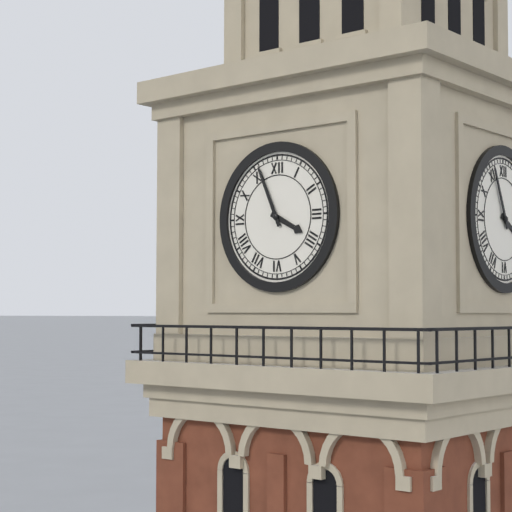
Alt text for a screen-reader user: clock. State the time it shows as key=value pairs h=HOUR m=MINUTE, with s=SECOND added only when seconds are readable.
h=3 m=56
